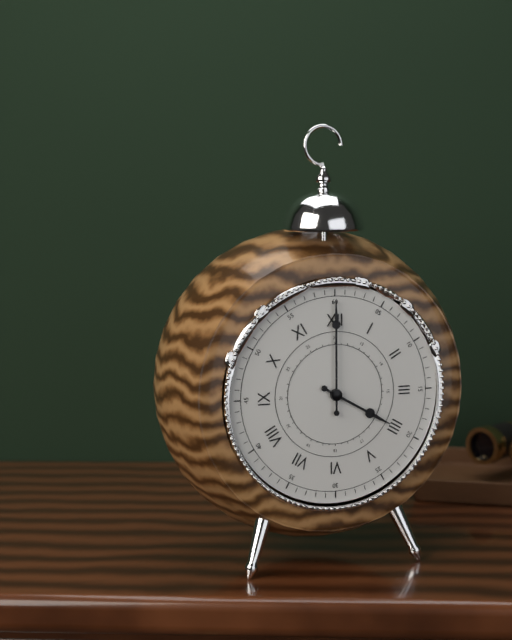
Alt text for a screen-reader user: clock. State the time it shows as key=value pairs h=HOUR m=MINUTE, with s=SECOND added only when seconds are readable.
h=4 m=0
